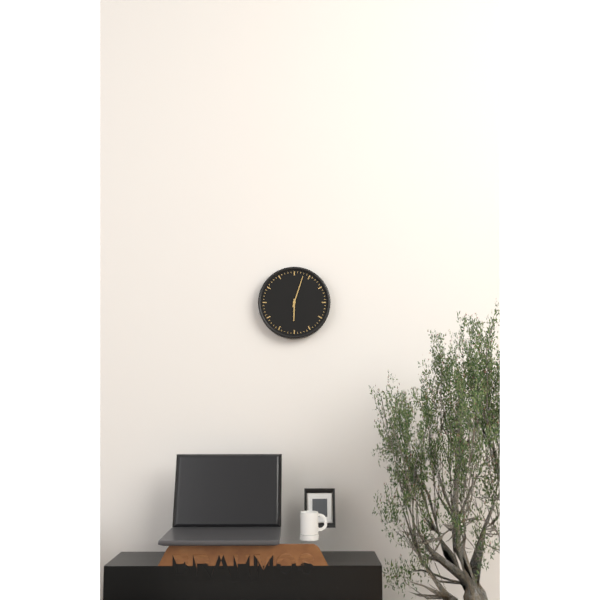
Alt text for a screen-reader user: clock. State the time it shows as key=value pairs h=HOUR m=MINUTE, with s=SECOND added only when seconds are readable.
h=6 m=3
